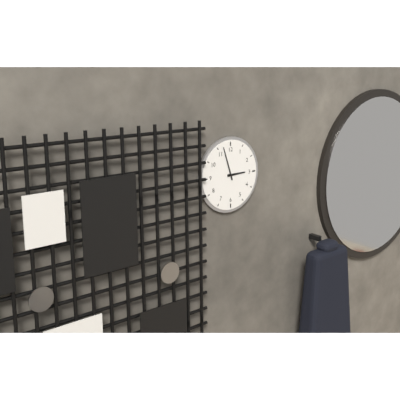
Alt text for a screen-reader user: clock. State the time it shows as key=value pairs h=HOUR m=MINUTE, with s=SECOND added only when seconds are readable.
h=2 m=57
